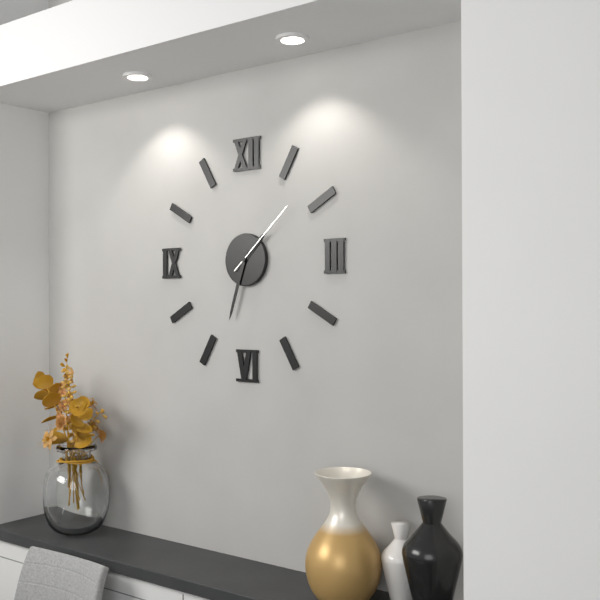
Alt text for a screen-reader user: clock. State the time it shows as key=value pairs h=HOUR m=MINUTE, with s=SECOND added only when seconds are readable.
h=1 m=33 s=8
